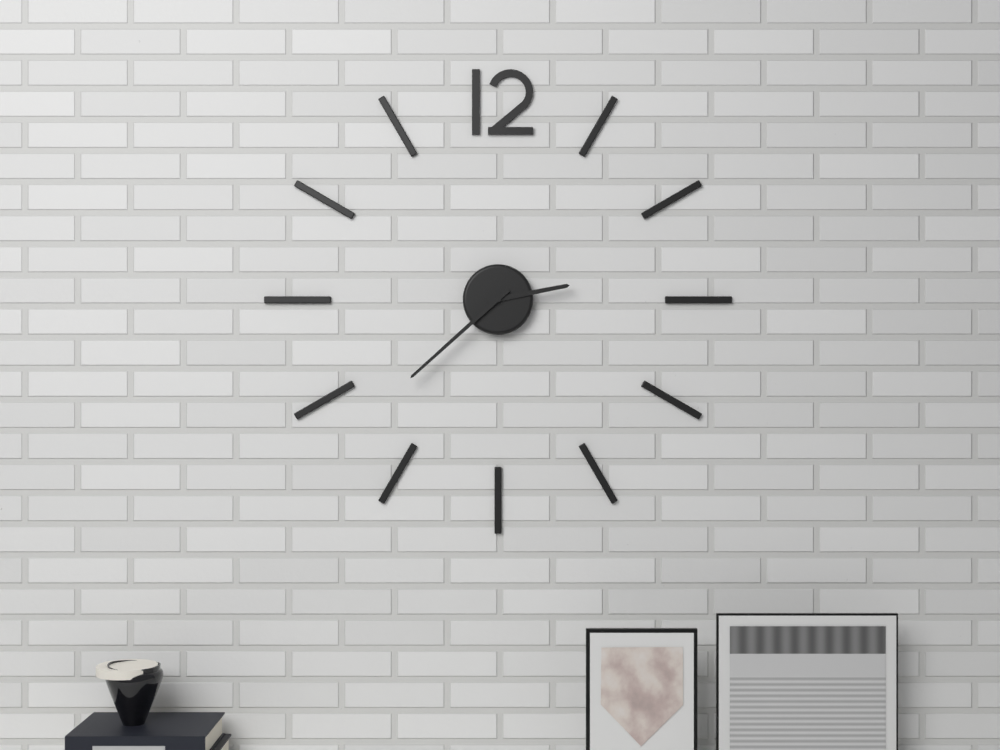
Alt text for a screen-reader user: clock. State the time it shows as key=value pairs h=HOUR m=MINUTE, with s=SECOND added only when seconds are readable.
h=2 m=38
